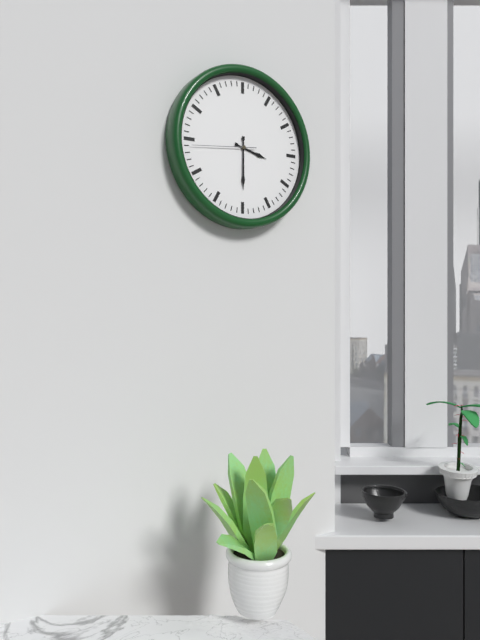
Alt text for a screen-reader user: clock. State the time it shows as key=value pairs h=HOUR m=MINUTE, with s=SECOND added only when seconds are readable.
h=3 m=30 s=44
